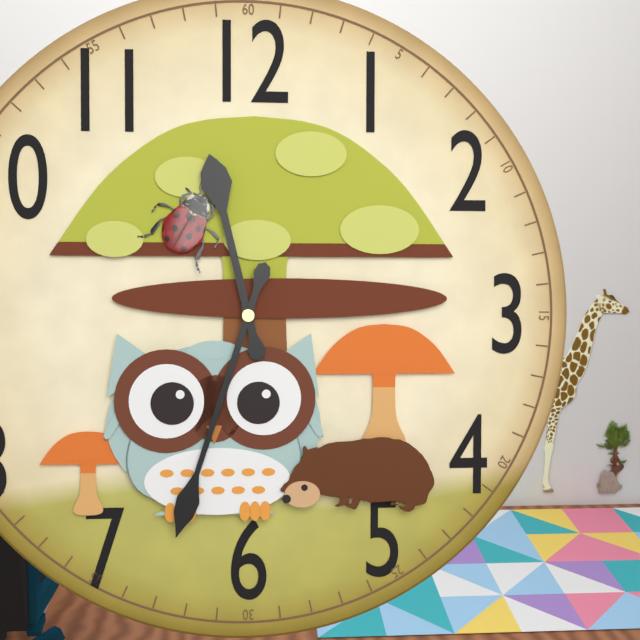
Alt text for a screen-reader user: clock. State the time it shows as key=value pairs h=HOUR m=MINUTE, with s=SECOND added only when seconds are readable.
h=11 m=33
